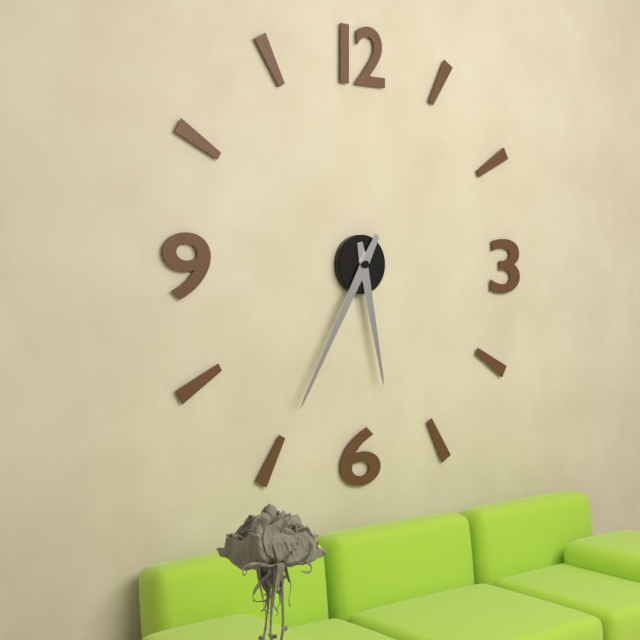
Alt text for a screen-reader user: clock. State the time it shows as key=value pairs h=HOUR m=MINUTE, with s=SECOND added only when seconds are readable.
h=5 m=35
